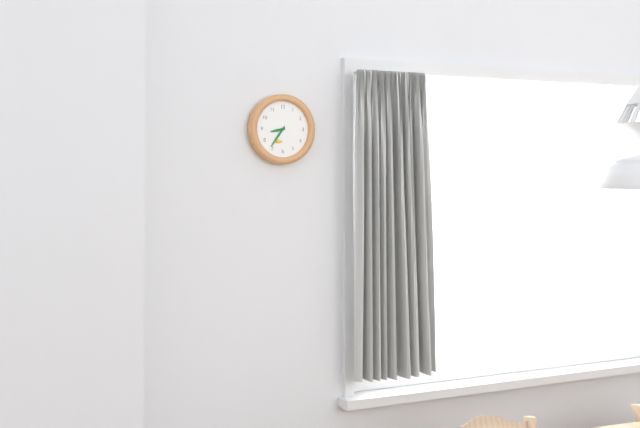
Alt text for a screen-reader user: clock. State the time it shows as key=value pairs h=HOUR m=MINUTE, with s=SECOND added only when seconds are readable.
h=8 m=36
